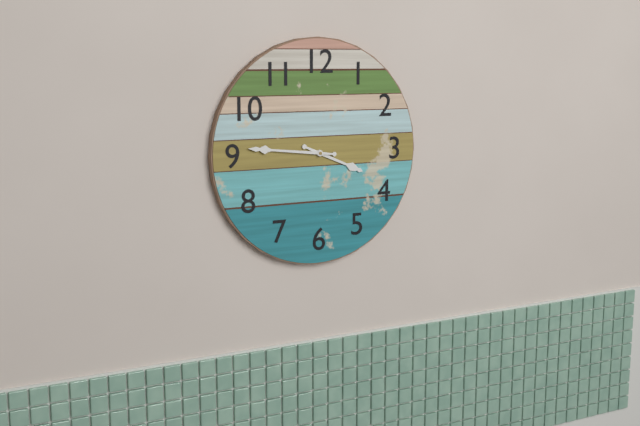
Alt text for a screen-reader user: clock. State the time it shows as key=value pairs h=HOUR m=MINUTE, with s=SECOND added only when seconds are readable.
h=3 m=46
